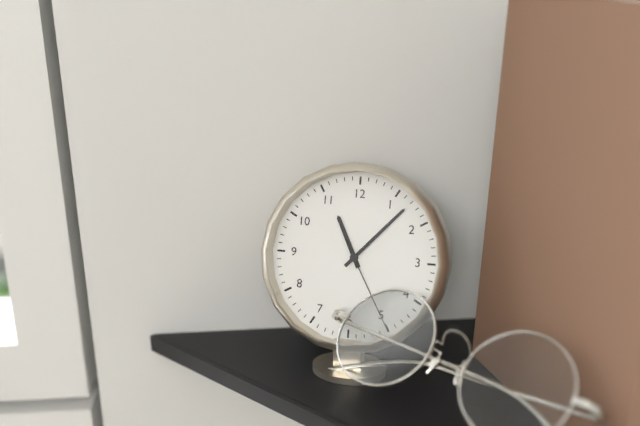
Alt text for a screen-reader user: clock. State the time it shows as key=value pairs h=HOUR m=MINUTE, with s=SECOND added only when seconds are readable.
h=11 m=7 s=25
